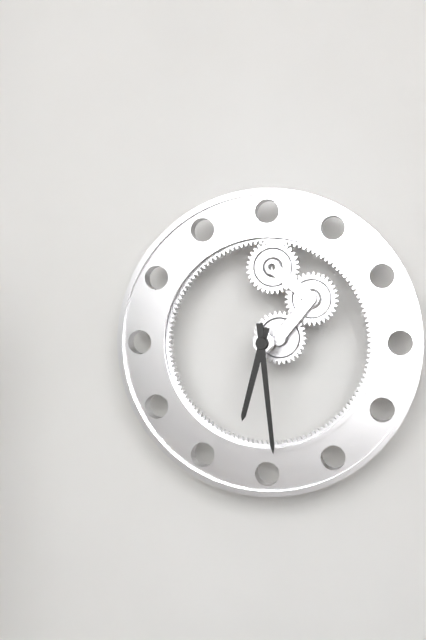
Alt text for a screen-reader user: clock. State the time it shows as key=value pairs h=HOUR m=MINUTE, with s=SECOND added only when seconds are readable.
h=6 m=29
